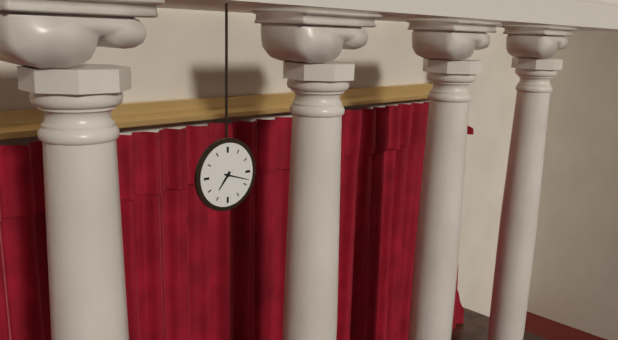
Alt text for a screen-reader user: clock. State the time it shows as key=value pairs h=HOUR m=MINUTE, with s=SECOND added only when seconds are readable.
h=7 m=18
